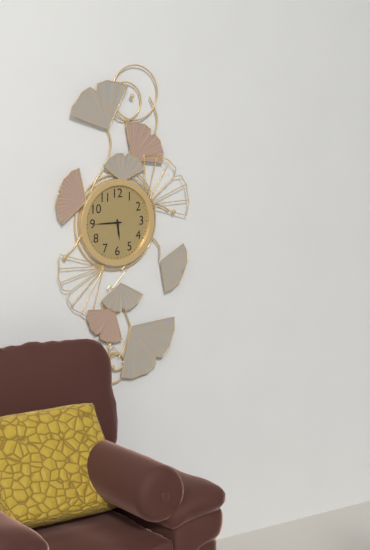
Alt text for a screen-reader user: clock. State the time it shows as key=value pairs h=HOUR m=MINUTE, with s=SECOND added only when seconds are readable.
h=5 m=45
